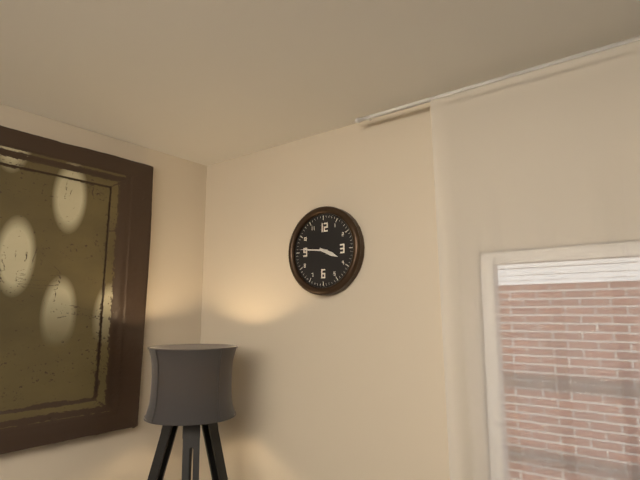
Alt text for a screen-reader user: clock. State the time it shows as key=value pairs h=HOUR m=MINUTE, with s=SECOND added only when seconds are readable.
h=3 m=46
